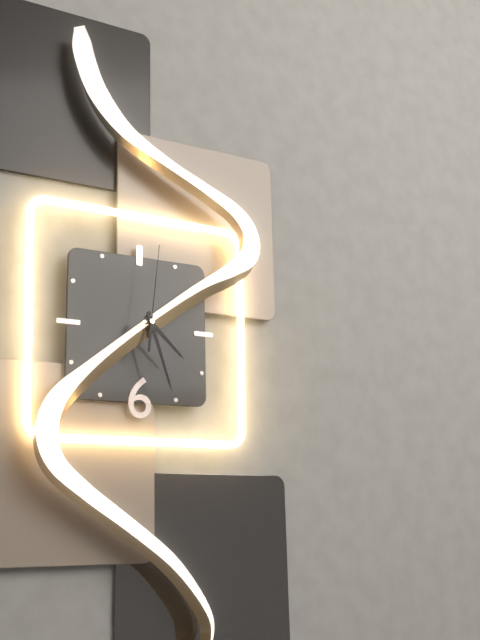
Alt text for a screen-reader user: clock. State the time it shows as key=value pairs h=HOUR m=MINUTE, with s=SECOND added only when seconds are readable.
h=4 m=27 s=1
